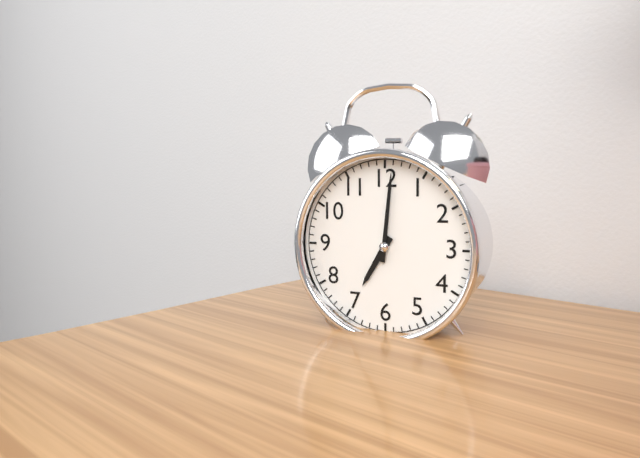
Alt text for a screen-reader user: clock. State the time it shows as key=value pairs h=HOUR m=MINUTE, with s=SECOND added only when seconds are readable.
h=7 m=1
